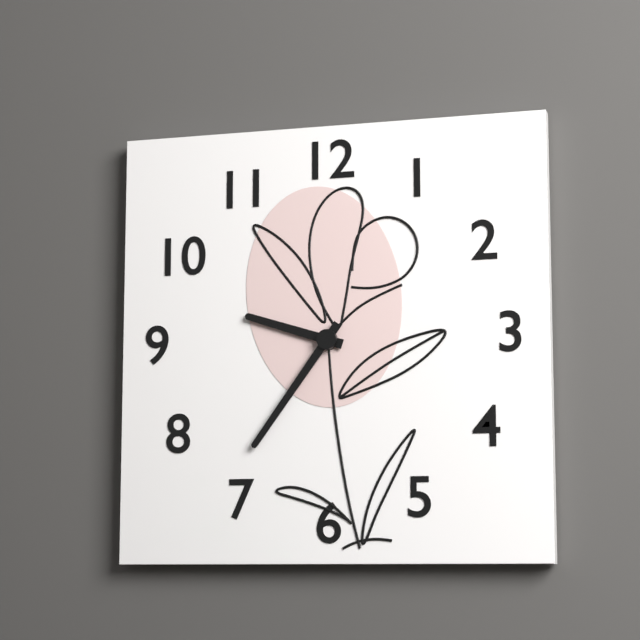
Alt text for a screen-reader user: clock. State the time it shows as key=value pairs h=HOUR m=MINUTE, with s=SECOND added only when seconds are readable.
h=9 m=36
